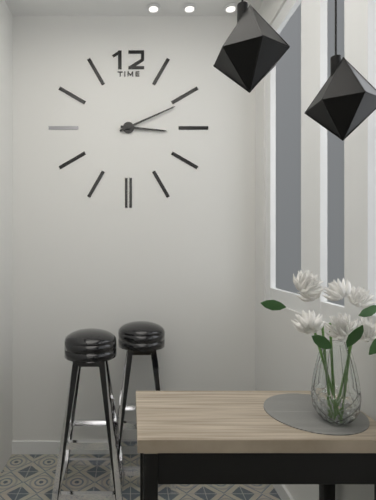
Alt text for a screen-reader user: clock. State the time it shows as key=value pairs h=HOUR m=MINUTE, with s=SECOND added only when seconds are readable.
h=3 m=11
